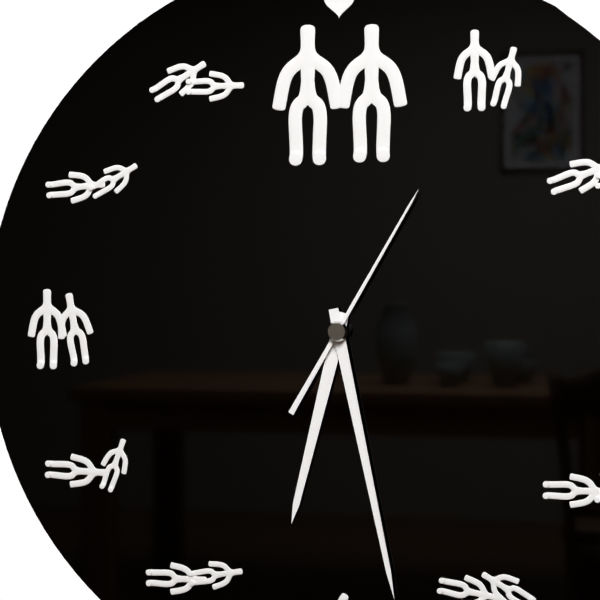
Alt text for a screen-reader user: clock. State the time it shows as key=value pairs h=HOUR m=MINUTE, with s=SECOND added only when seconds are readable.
h=6 m=28 s=5
